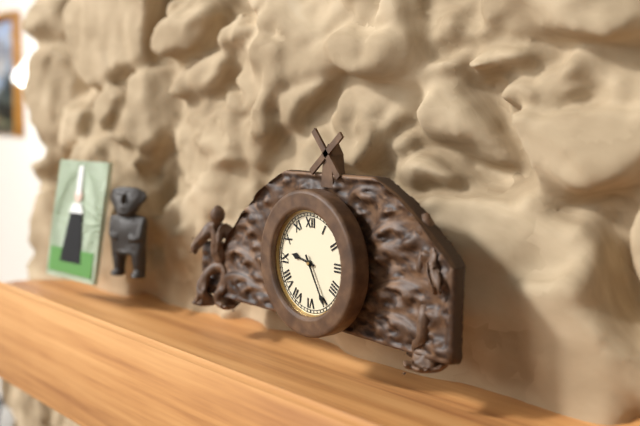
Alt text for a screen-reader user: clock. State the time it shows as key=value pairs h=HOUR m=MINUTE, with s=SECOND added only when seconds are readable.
h=9 m=25
